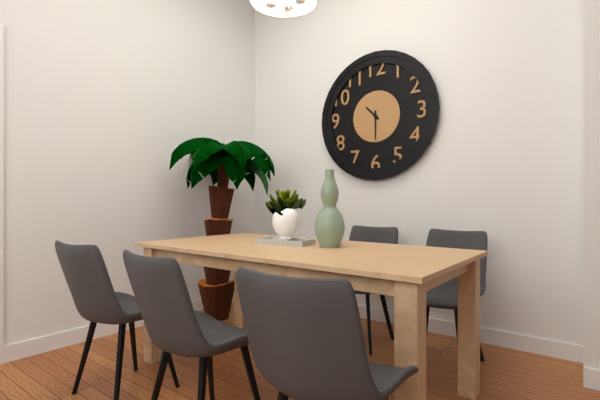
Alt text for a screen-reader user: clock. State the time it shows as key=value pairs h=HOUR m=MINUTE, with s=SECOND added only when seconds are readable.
h=10 m=30
